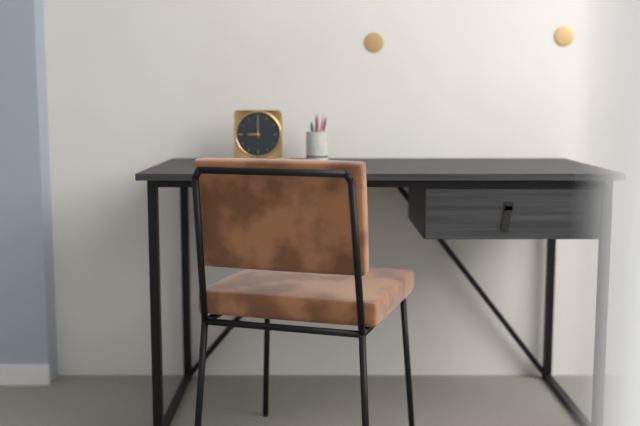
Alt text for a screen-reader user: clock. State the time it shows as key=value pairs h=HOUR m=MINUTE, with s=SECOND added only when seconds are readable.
h=9 m=0
